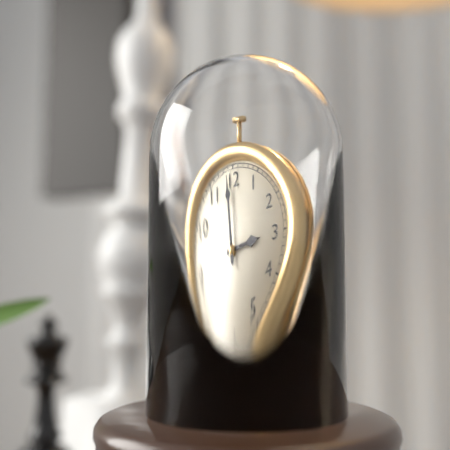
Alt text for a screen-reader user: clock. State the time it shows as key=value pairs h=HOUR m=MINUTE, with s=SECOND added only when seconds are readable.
h=2 m=59
